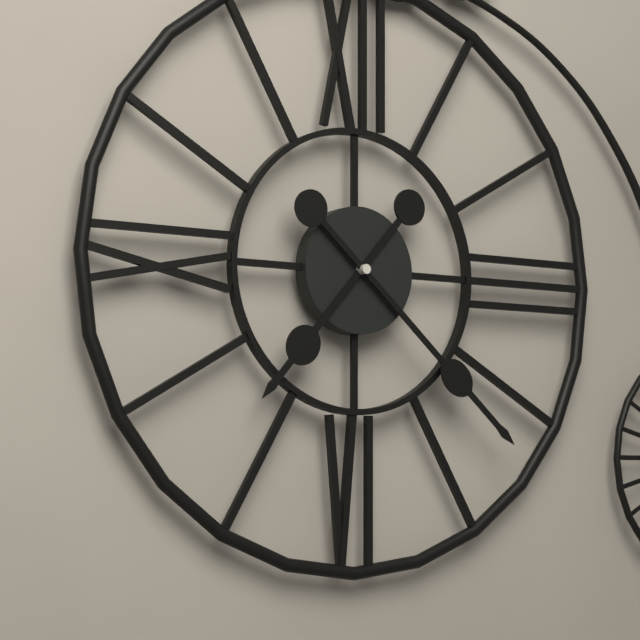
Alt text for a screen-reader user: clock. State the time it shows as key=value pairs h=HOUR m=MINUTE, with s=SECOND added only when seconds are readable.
h=7 m=22
